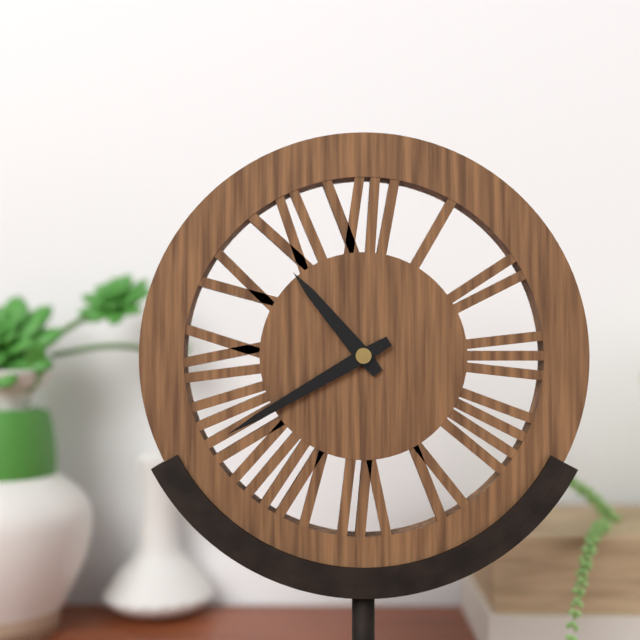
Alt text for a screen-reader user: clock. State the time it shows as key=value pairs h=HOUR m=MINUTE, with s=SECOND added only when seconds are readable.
h=10 m=40
